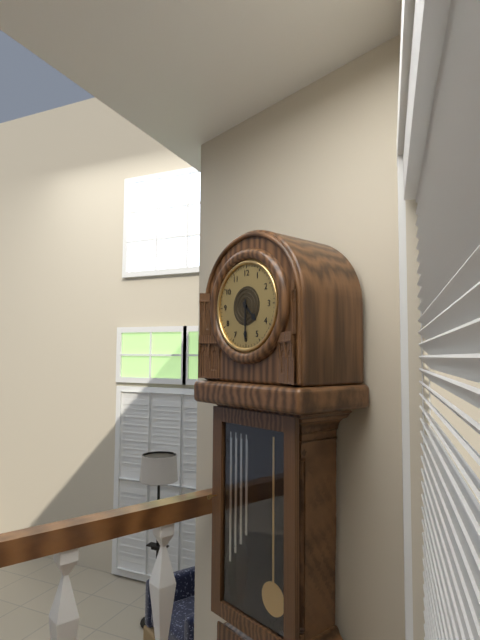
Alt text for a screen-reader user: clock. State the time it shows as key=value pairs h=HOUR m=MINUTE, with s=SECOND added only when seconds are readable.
h=4 m=30
